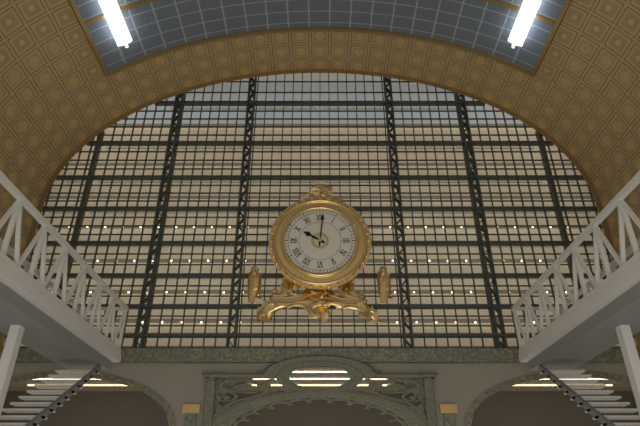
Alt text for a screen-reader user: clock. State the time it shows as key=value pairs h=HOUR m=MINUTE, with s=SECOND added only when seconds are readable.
h=10 m=1
